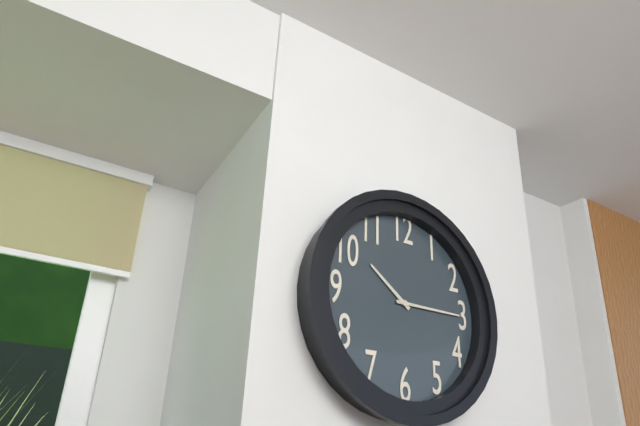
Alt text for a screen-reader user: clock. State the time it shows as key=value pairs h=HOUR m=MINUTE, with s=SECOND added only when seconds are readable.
h=10 m=15
